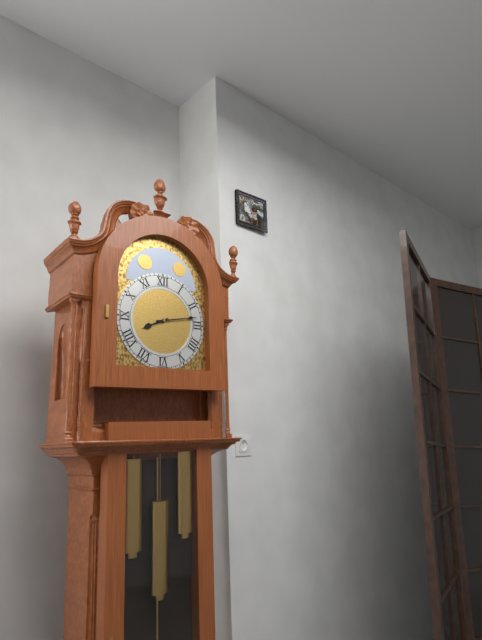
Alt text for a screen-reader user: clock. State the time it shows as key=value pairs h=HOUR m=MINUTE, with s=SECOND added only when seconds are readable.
h=8 m=13
